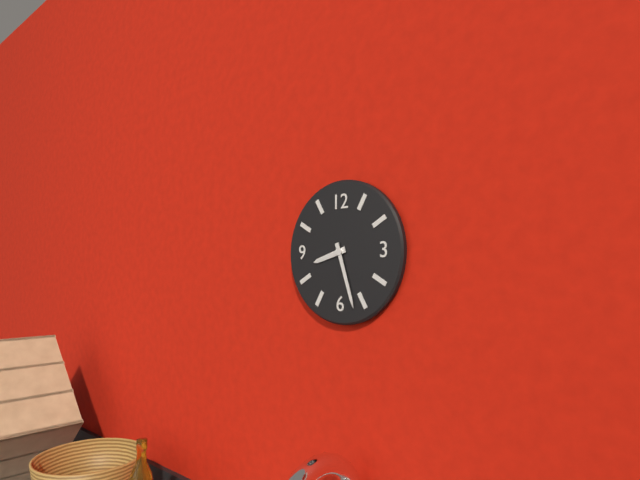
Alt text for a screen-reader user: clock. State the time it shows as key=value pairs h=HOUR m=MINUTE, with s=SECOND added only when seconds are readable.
h=8 m=27
